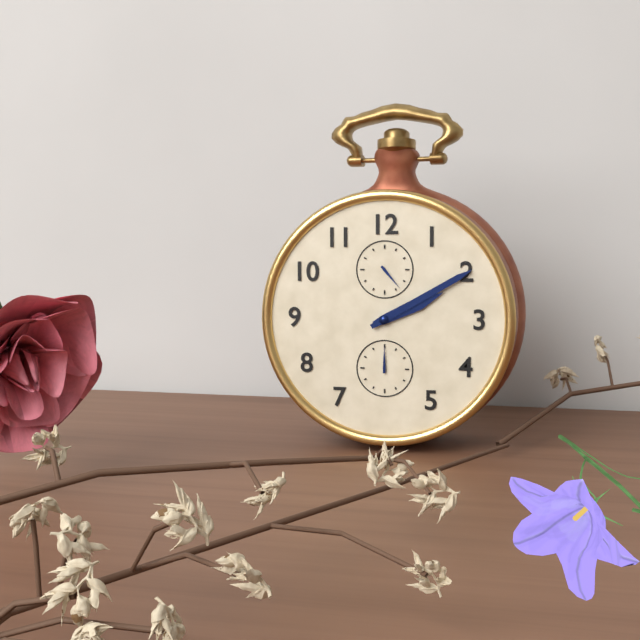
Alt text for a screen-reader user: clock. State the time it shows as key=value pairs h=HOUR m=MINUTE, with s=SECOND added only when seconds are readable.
h=2 m=10
